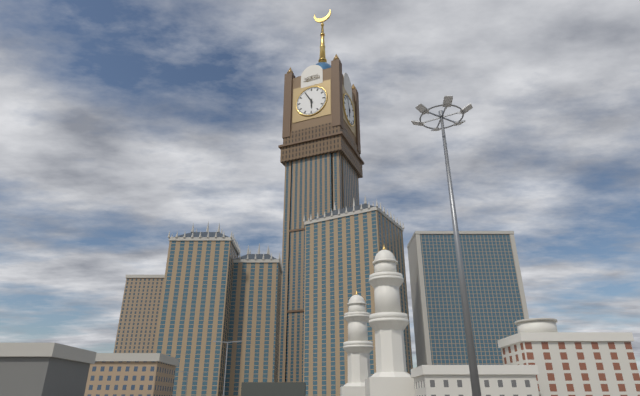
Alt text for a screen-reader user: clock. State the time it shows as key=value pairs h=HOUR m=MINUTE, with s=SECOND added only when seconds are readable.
h=5 m=55
